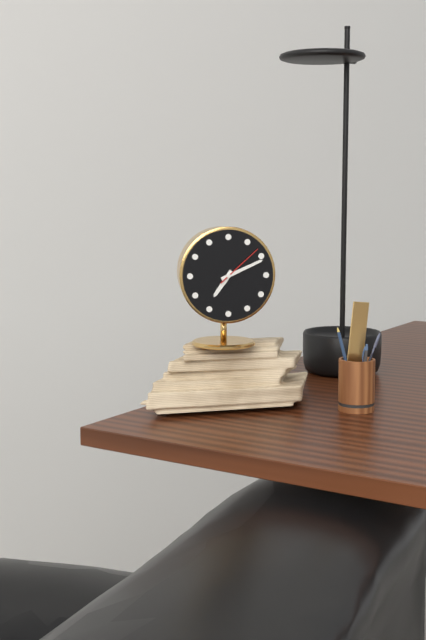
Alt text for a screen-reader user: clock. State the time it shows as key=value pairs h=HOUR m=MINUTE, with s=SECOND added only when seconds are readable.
h=7 m=11 s=8
